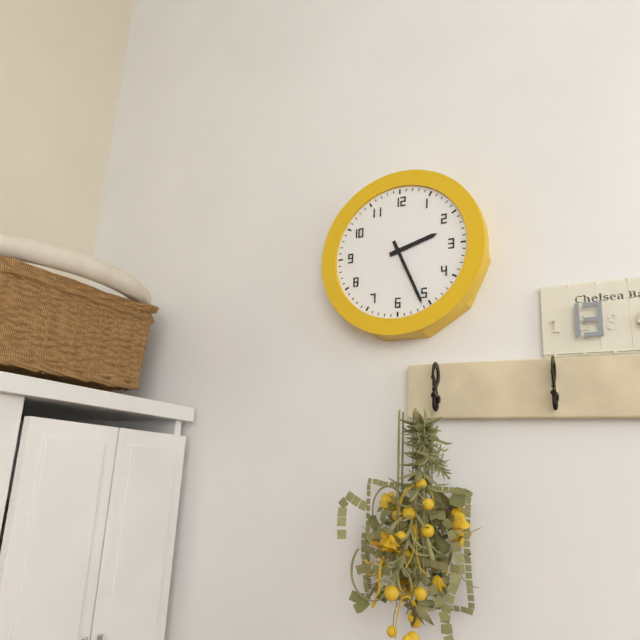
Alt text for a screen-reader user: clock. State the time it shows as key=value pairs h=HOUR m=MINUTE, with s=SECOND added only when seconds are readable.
h=2 m=26
